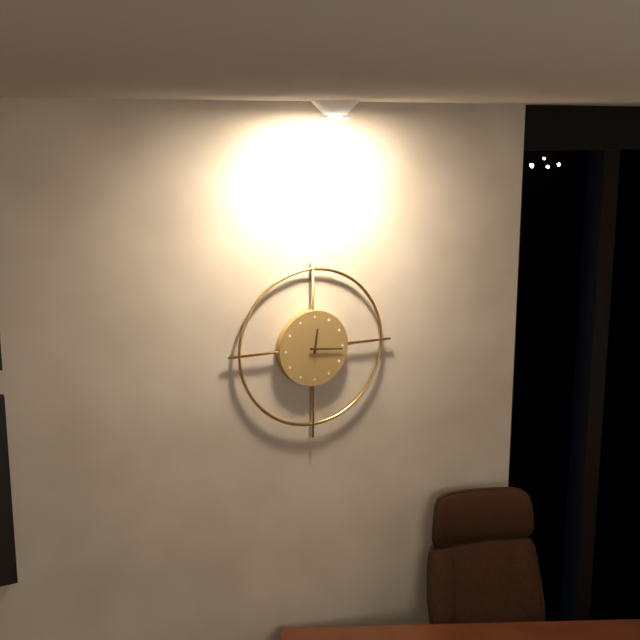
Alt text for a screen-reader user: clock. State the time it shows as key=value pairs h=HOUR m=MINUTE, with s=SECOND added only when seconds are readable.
h=12 m=16
